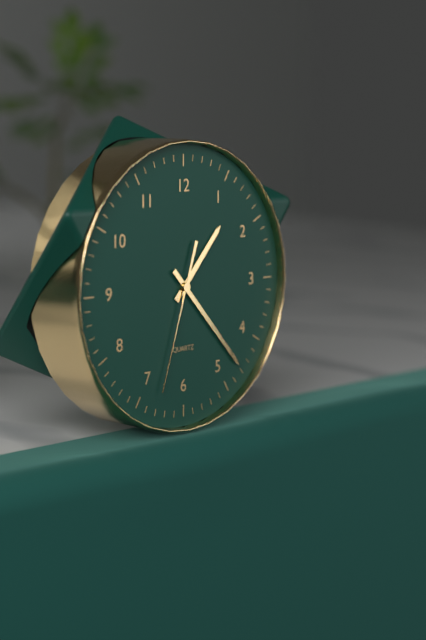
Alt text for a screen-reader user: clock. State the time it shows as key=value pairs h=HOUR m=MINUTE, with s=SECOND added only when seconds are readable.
h=1 m=23 s=33
